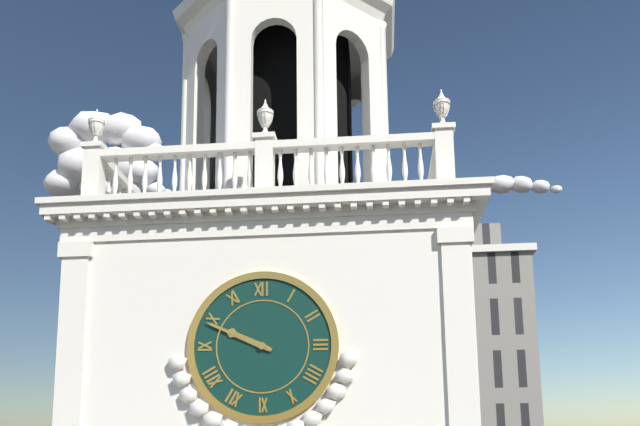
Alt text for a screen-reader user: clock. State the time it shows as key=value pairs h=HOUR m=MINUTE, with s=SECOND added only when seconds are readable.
h=9 m=49
